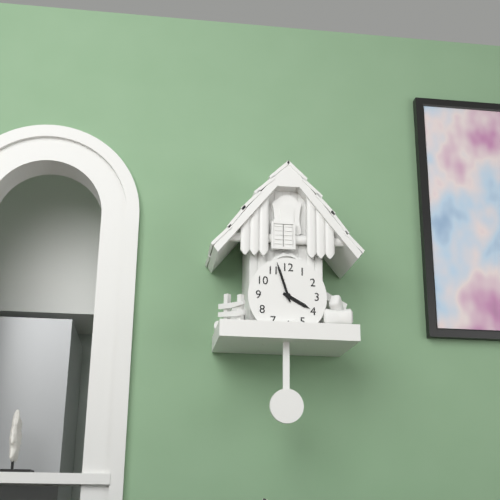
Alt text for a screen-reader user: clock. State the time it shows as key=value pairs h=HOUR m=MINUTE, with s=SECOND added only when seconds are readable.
h=3 m=57
